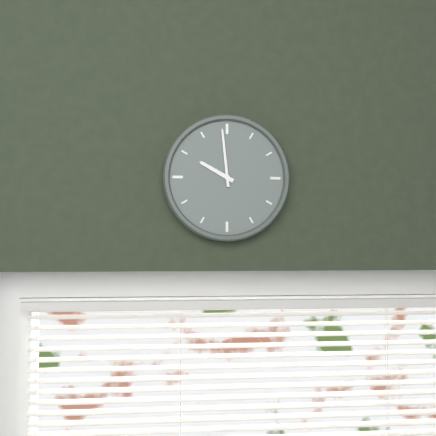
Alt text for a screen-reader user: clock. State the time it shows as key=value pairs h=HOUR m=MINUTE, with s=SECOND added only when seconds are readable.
h=9 m=59
